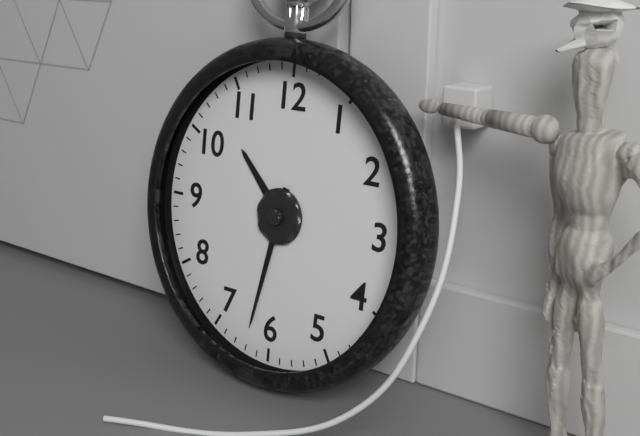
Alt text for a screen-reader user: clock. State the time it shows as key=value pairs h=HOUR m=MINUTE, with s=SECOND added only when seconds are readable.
h=10 m=32
